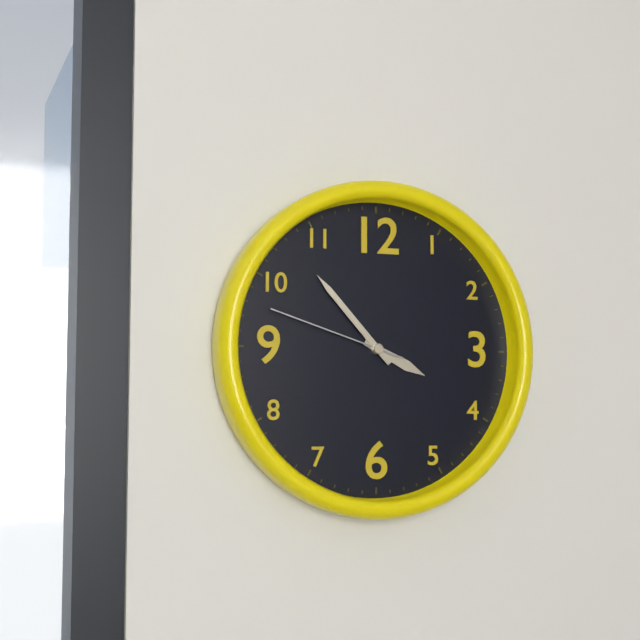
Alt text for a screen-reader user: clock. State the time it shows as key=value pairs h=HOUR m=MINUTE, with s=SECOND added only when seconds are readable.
h=3 m=53 s=48
